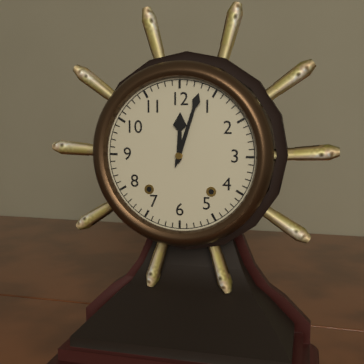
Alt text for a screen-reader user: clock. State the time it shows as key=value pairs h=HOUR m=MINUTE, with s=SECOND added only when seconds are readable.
h=12 m=3
